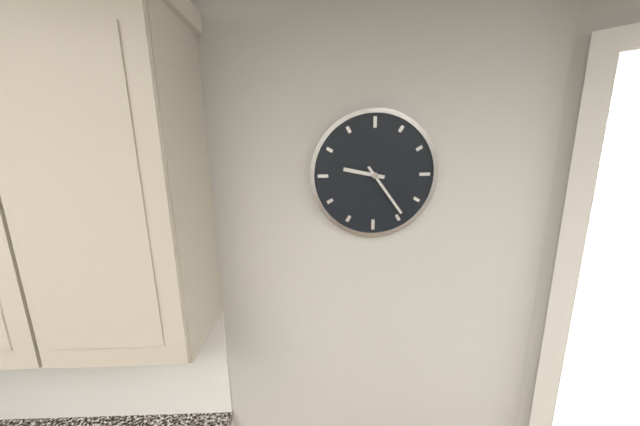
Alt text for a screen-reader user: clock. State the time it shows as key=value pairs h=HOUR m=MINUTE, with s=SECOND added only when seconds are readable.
h=9 m=24
